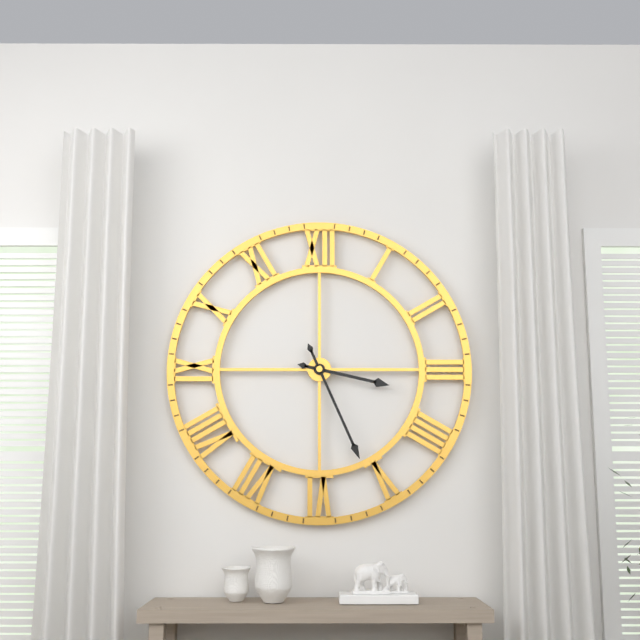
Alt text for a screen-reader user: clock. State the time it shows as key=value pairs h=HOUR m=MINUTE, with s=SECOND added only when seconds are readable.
h=3 m=26
